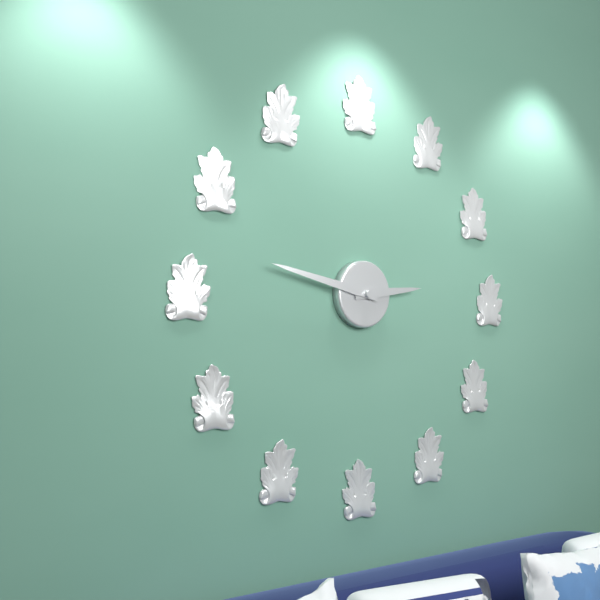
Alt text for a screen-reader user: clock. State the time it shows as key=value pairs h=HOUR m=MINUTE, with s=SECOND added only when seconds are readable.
h=2 m=47
